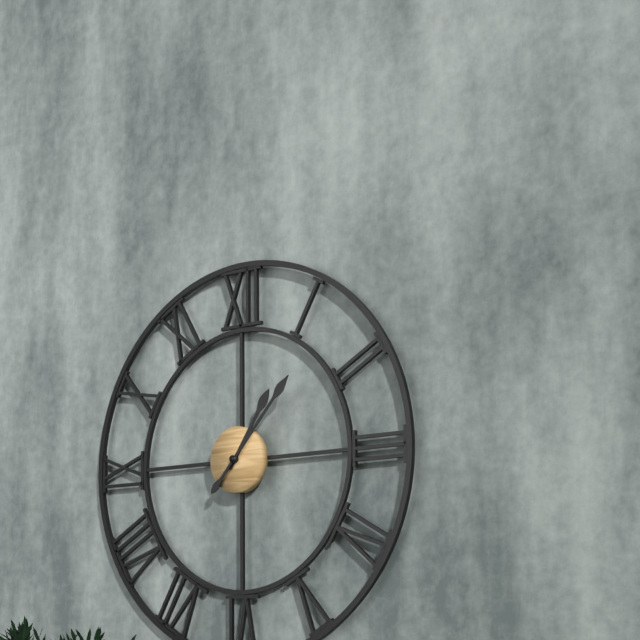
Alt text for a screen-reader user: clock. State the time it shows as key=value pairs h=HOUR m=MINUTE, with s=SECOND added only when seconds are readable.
h=1 m=7
